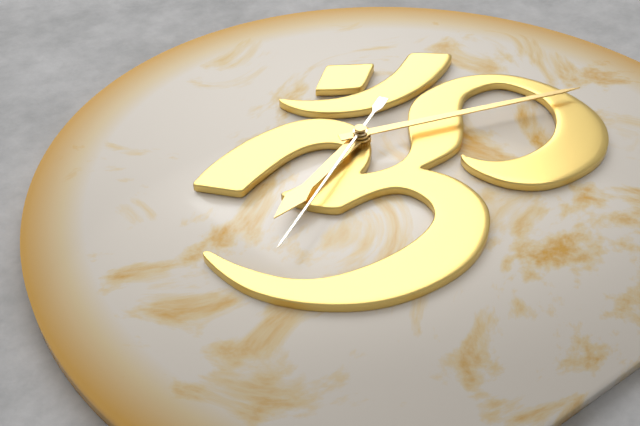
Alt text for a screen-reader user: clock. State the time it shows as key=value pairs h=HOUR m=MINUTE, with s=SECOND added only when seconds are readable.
h=8 m=18 s=40
